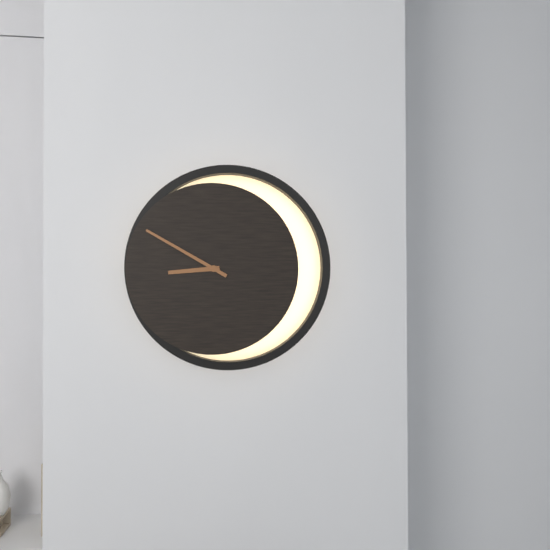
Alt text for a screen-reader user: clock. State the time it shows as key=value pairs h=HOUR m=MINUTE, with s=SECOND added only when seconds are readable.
h=8 m=50
